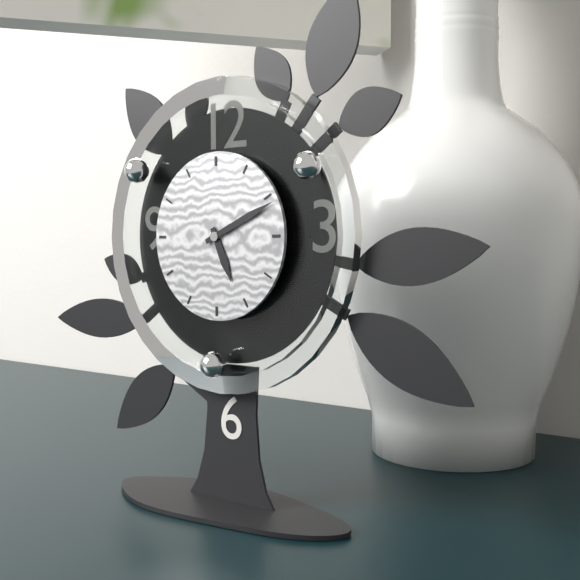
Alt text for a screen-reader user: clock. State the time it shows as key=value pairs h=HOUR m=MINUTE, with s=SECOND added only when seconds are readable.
h=5 m=11
